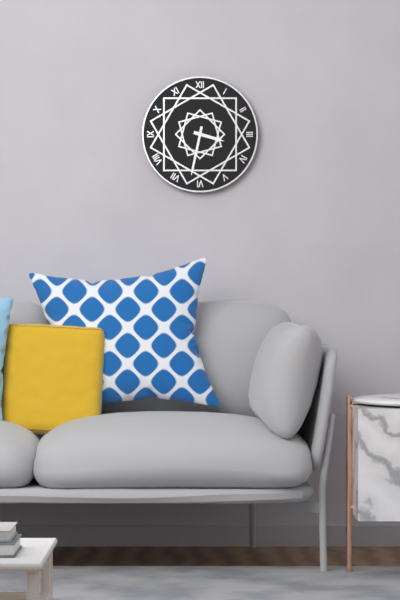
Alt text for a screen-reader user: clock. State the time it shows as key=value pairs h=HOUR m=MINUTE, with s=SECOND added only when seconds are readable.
h=3 m=32
